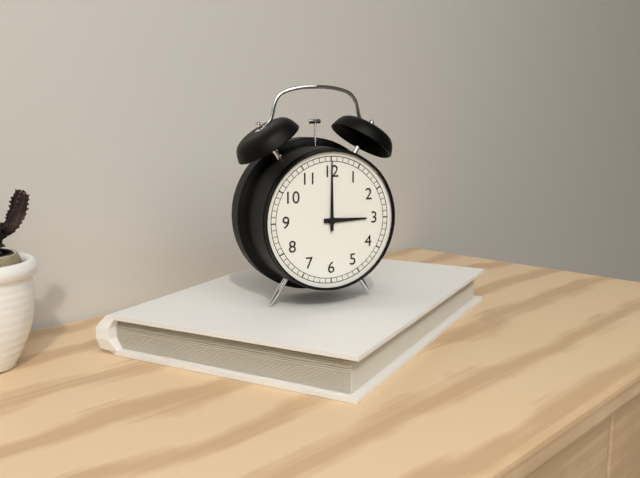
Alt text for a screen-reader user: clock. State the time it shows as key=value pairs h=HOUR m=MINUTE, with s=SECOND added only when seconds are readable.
h=3 m=0
